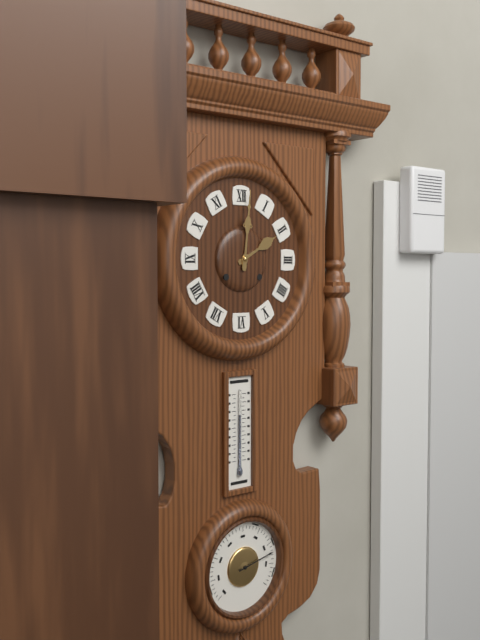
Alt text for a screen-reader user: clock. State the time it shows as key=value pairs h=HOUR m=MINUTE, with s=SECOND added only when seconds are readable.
h=2 m=1
